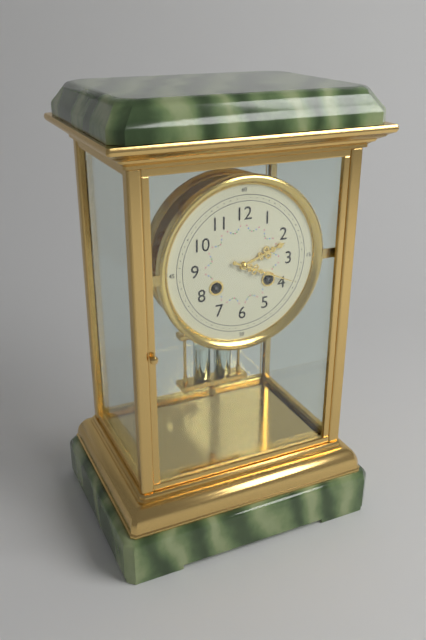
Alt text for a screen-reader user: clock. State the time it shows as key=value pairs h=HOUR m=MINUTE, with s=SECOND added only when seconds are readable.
h=2 m=19
